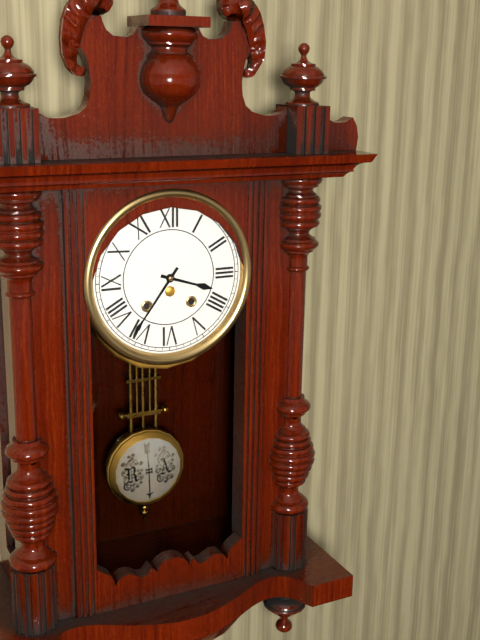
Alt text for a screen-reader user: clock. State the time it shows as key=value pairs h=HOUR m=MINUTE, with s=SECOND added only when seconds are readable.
h=3 m=36
